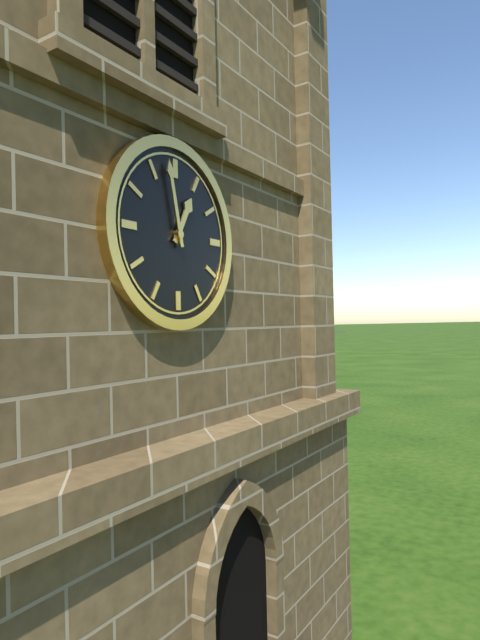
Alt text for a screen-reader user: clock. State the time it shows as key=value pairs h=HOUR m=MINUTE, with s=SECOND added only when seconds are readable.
h=12 m=58
